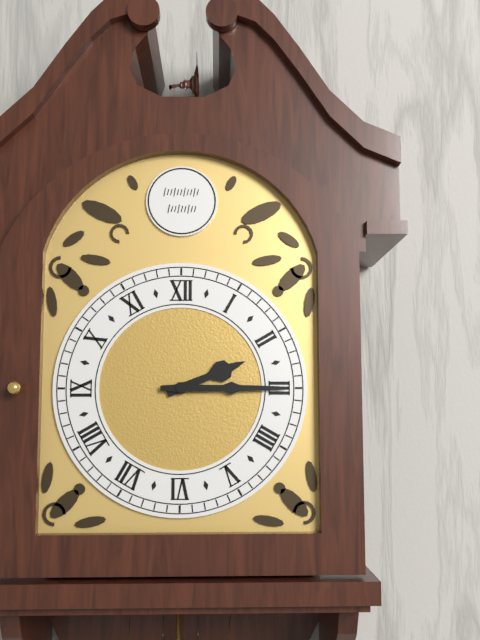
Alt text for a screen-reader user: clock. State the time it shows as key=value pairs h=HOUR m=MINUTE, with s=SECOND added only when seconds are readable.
h=2 m=15
